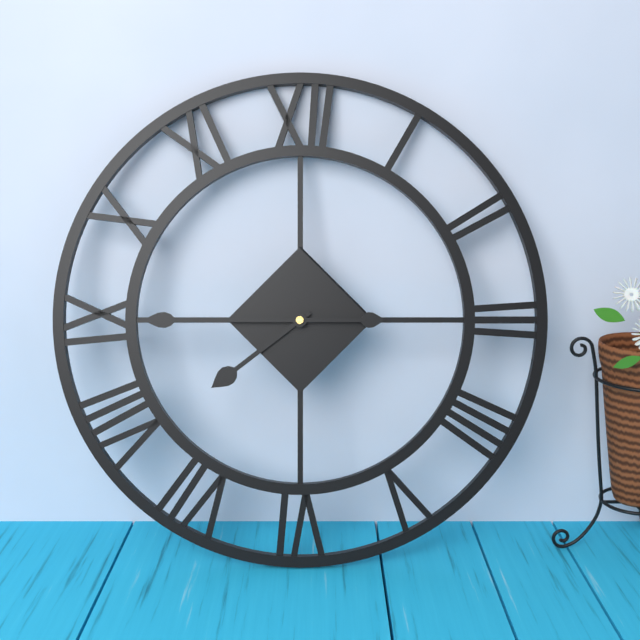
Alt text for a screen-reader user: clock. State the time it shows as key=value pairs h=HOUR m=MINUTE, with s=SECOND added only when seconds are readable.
h=7 m=45
